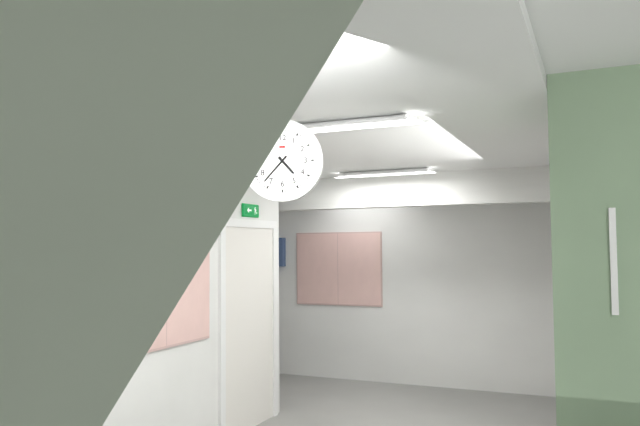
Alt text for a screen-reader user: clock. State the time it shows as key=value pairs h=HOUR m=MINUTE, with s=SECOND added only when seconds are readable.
h=4 m=37
